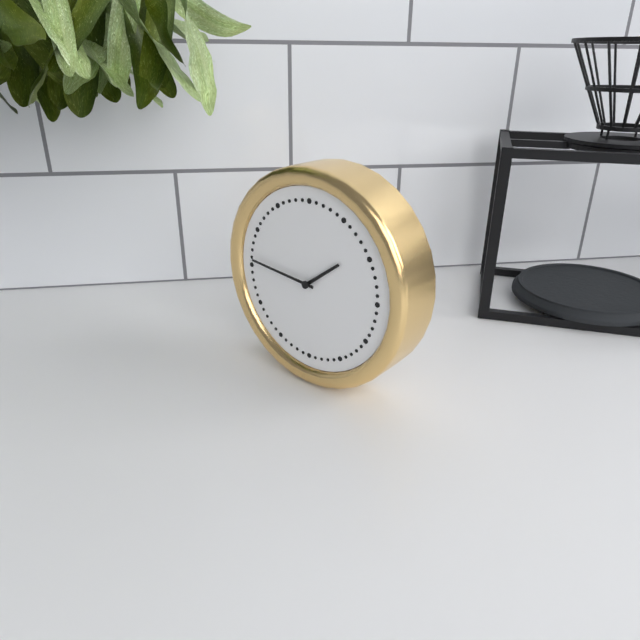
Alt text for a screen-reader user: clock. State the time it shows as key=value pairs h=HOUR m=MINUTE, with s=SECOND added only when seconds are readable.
h=1 m=46
